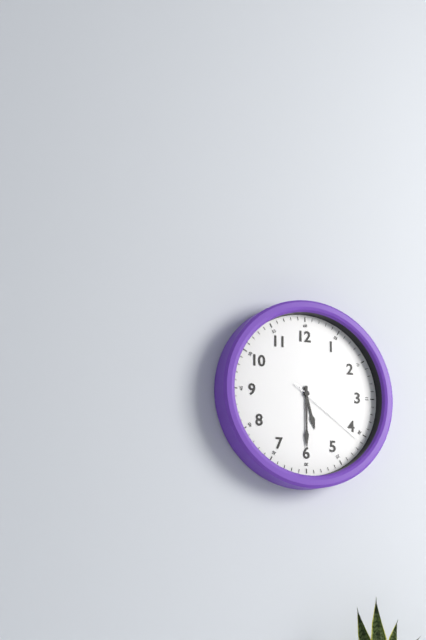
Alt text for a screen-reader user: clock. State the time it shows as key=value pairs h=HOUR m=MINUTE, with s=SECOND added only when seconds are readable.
h=5 m=30 s=21
